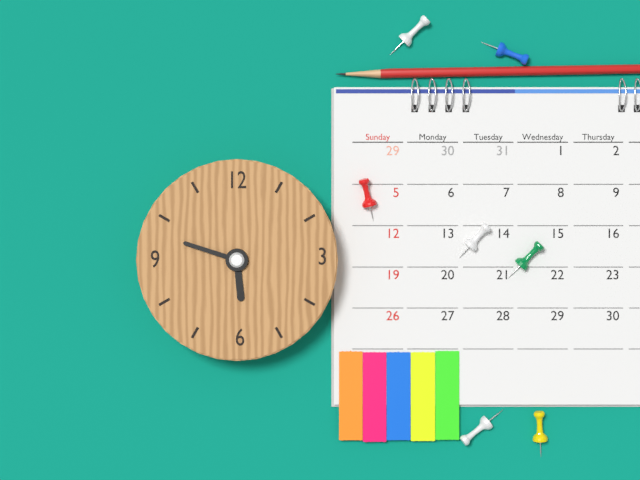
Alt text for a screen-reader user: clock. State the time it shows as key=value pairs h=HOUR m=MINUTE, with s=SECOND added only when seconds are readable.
h=5 m=48
